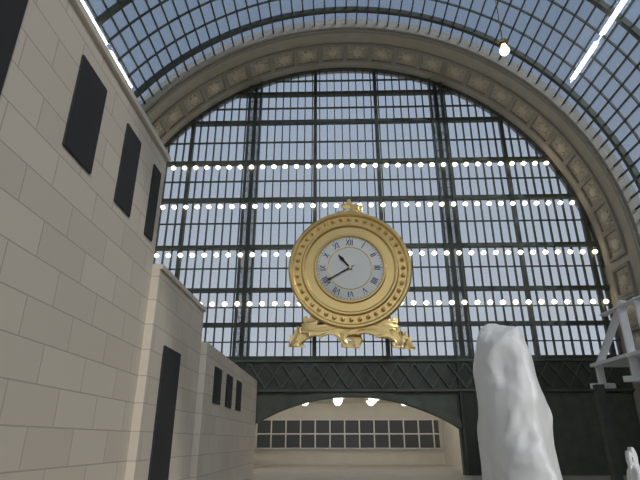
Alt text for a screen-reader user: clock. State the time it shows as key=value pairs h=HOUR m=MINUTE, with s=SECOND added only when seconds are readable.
h=10 m=40
